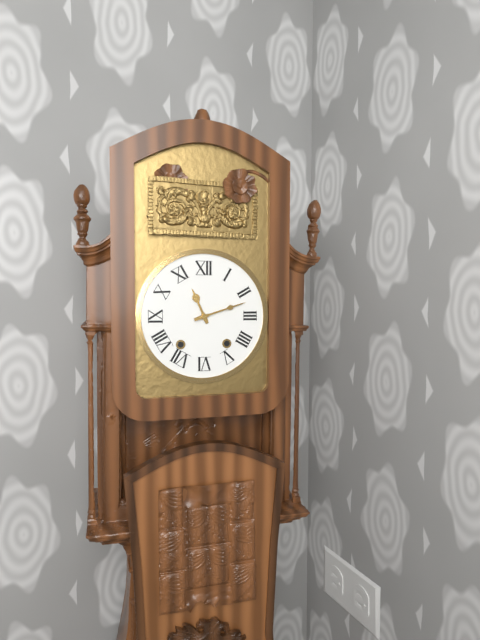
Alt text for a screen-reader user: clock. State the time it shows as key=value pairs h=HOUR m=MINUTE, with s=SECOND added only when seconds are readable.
h=11 m=12
